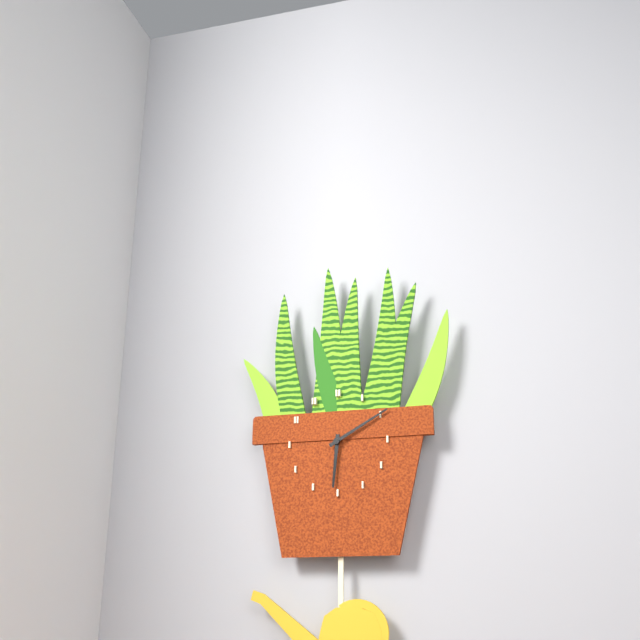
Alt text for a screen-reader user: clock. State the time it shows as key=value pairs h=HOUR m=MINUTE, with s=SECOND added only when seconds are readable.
h=6 m=10
